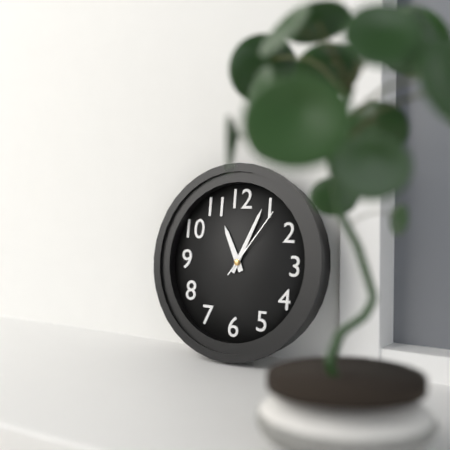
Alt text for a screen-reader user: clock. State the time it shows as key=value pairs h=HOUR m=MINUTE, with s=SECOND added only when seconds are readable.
h=11 m=4 s=6
